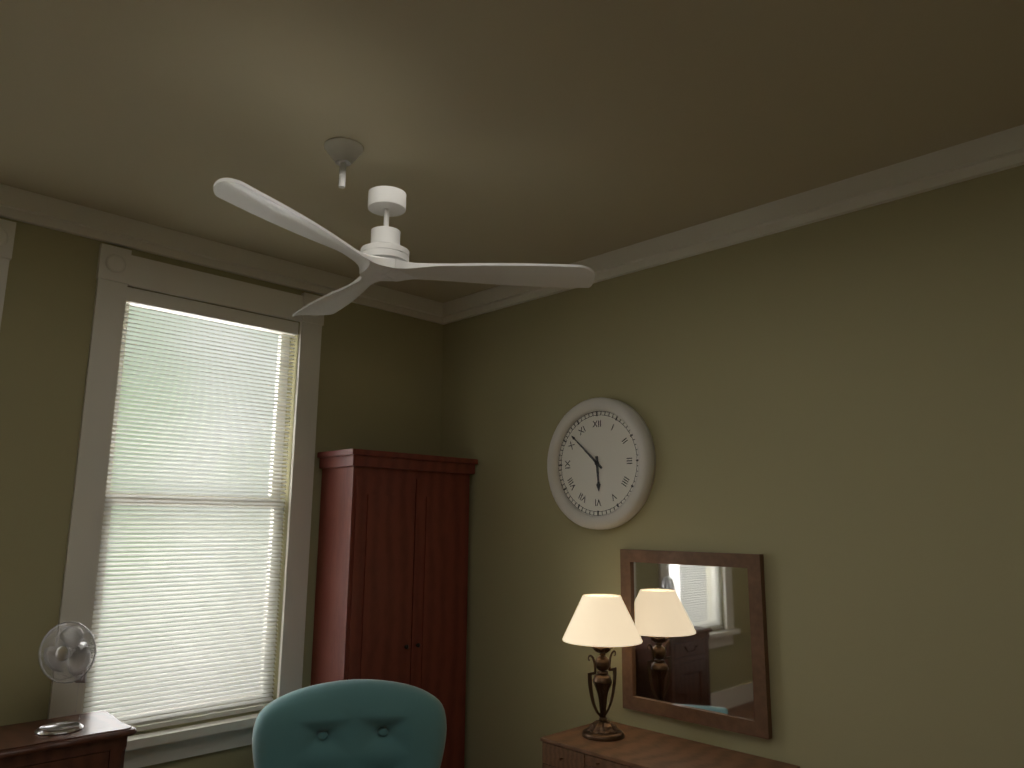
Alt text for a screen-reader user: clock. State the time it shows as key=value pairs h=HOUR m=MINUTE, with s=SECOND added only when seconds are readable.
h=5 m=52
